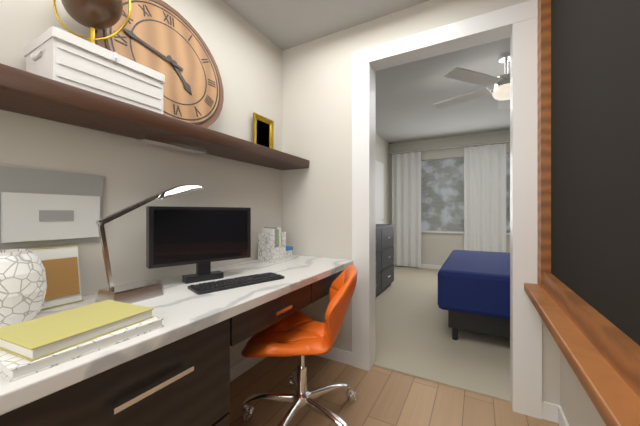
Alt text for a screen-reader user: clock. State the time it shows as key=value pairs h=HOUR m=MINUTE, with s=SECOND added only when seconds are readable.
h=4 m=47
